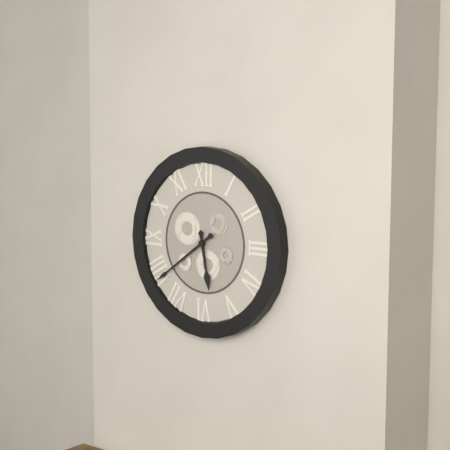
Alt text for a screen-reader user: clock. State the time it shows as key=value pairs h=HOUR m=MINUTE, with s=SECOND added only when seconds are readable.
h=5 m=39
